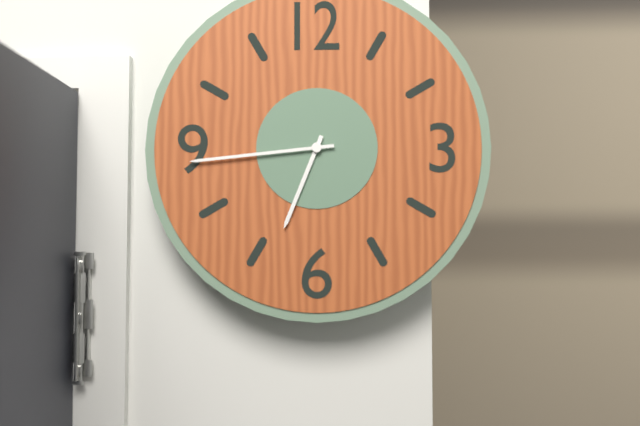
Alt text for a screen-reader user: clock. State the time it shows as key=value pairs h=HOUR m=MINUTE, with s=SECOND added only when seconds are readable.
h=6 m=44
